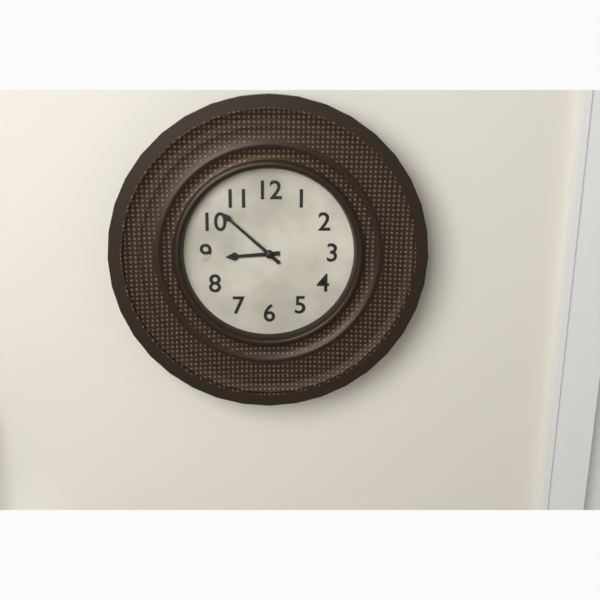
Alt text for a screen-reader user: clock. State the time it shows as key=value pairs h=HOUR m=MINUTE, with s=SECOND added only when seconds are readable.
h=8 m=52
